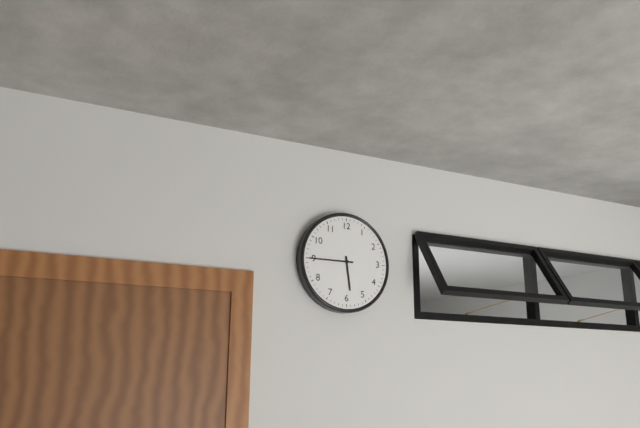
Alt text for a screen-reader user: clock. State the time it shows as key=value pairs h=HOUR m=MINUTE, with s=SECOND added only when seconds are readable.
h=5 m=45
